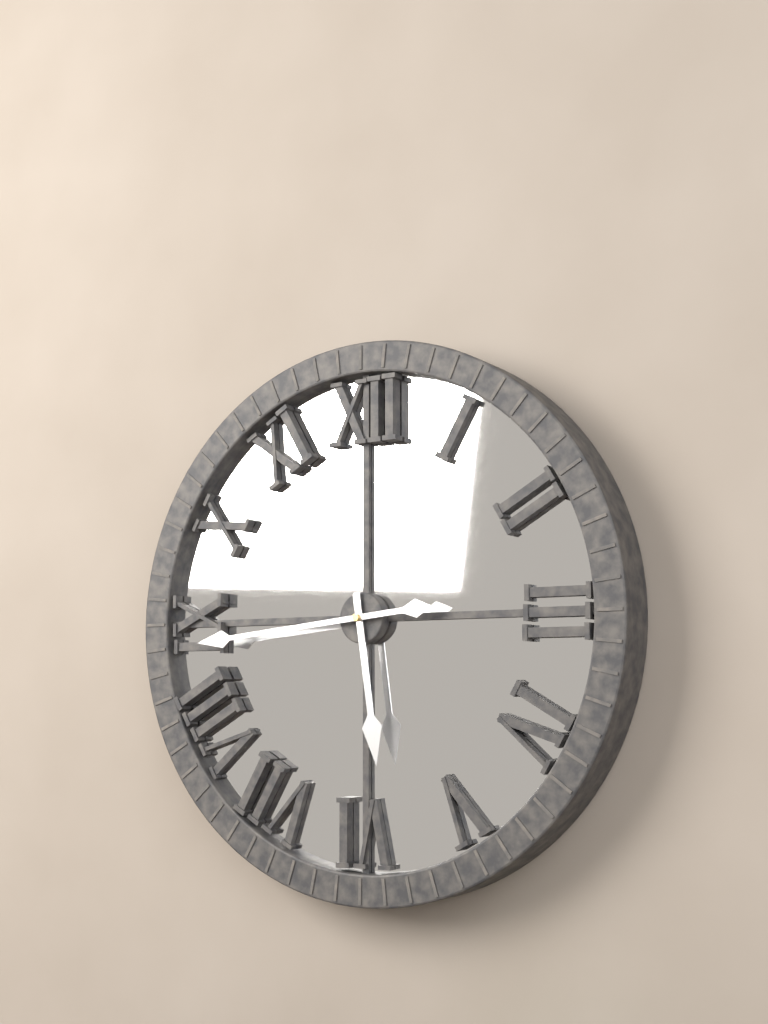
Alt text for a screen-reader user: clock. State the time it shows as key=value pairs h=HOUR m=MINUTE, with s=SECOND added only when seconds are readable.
h=5 m=44
